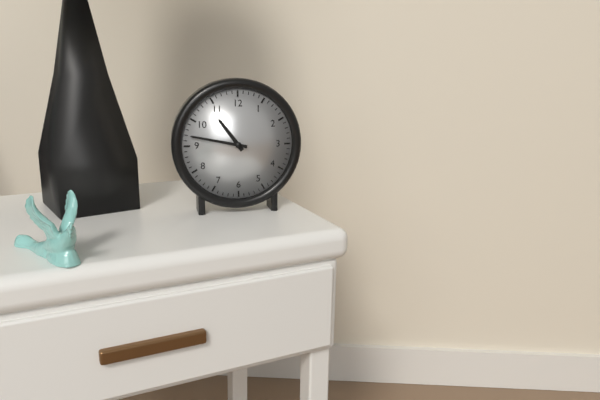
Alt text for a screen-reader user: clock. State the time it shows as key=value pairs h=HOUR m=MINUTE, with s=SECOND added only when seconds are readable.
h=10 m=47
